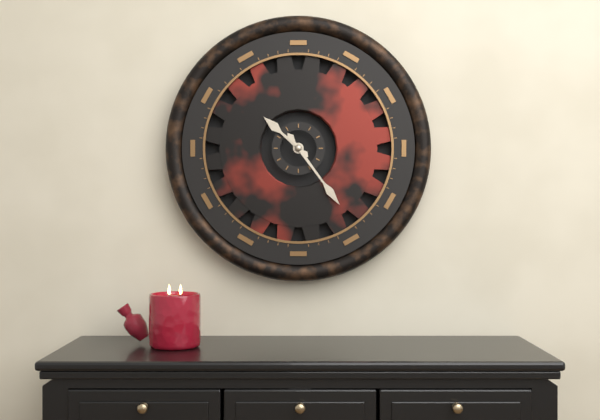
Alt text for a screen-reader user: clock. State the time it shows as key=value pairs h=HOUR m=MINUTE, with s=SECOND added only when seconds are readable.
h=10 m=24
